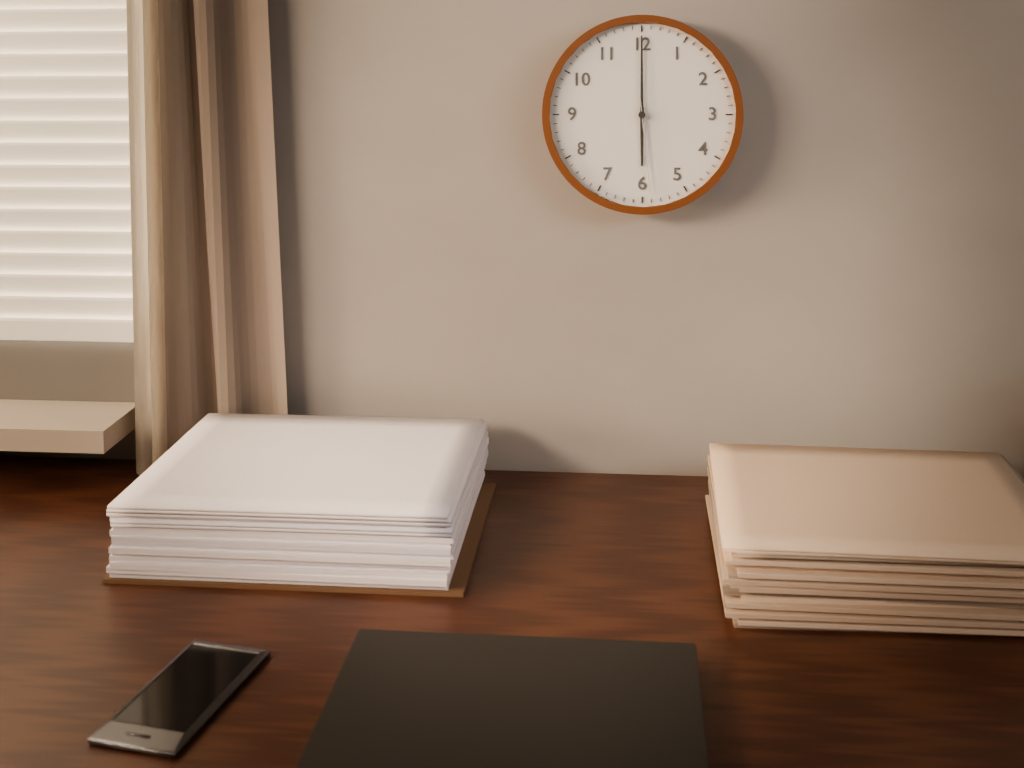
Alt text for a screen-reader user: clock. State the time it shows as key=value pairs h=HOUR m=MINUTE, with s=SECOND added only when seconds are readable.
h=6 m=0 s=29
